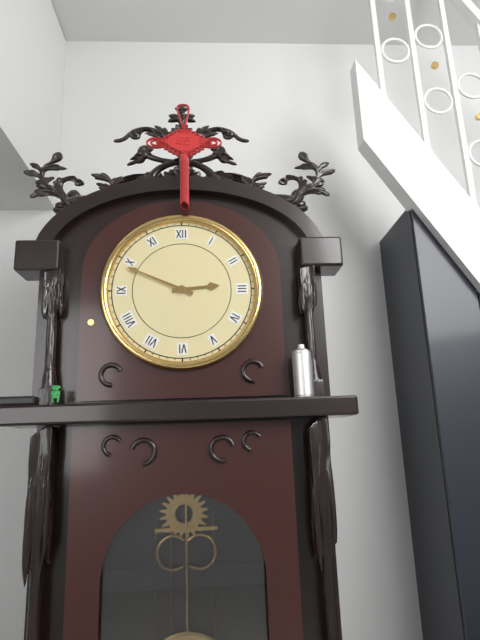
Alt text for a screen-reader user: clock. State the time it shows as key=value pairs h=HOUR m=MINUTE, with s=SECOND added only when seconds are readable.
h=2 m=49
